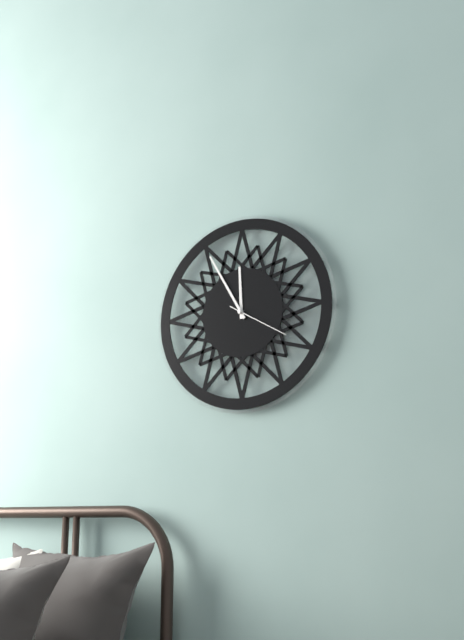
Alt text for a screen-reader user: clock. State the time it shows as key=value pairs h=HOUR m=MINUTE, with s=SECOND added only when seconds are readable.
h=11 m=55 s=20
